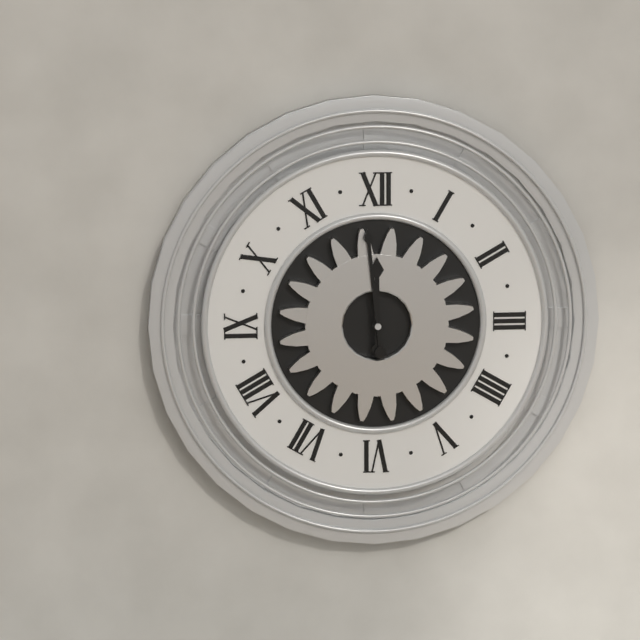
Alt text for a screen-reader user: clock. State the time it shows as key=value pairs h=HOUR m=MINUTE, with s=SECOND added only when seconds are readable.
h=11 m=59
